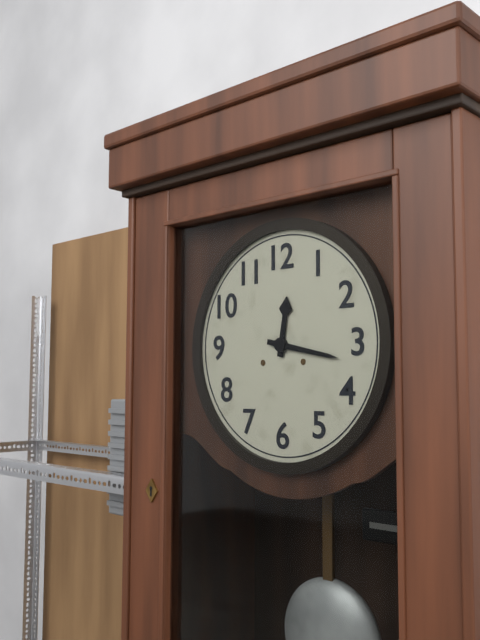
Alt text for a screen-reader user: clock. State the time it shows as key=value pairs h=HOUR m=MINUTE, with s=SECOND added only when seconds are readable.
h=12 m=17
